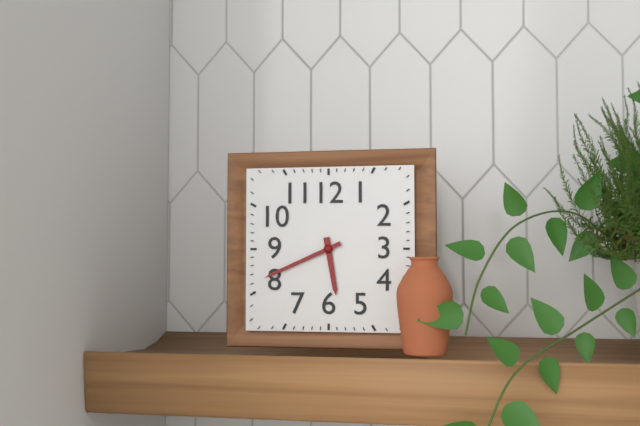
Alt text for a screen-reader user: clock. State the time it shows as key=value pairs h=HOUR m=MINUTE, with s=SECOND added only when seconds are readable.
h=5 m=41
